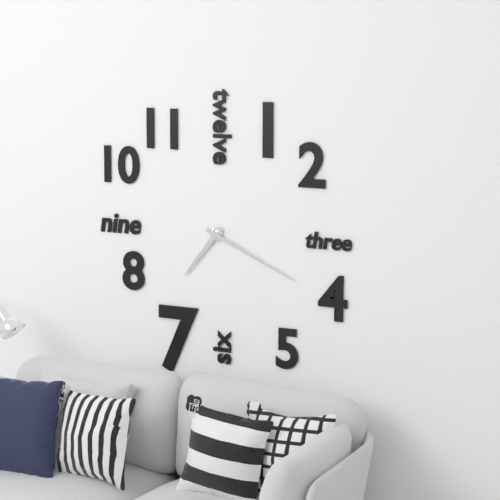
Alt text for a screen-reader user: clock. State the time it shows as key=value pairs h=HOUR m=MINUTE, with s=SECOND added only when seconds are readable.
h=7 m=19
